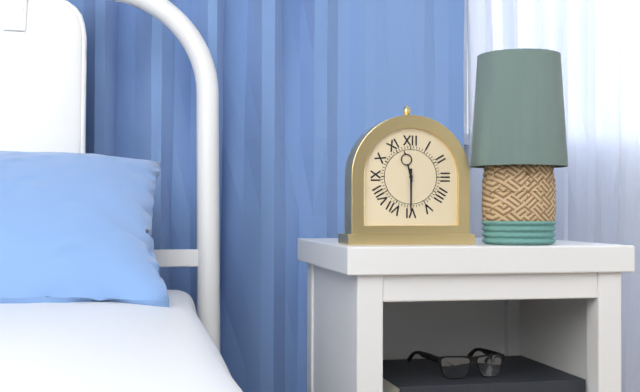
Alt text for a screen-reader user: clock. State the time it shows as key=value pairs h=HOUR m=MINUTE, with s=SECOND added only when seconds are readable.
h=11 m=30
